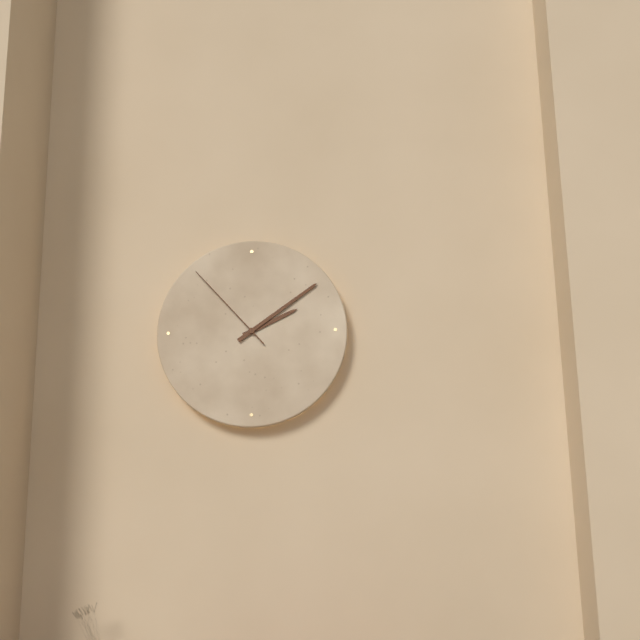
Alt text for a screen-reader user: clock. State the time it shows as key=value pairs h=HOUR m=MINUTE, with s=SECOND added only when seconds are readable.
h=2 m=9 s=53
